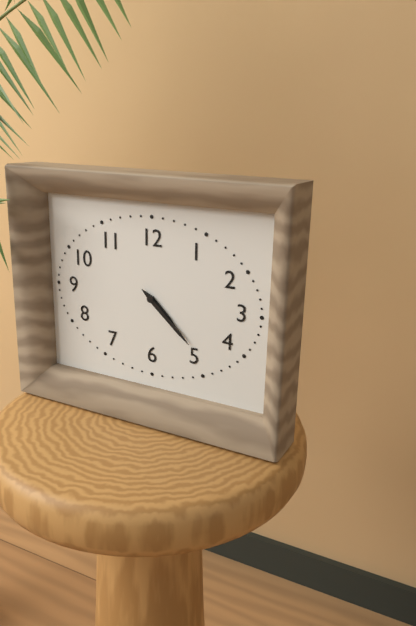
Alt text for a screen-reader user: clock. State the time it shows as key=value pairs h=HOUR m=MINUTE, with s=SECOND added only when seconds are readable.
h=4 m=22
